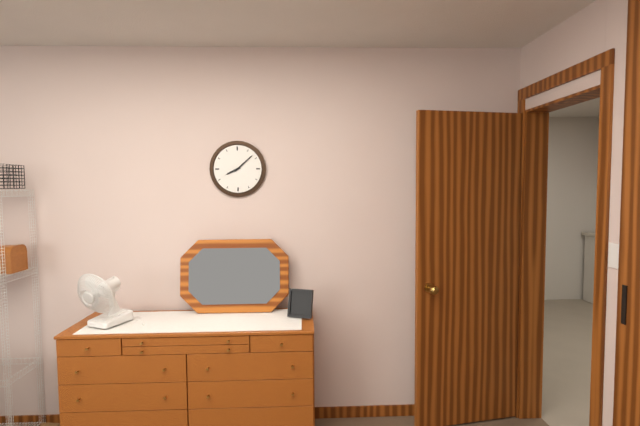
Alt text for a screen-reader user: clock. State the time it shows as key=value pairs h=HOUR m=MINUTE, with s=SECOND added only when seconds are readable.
h=8 m=8
